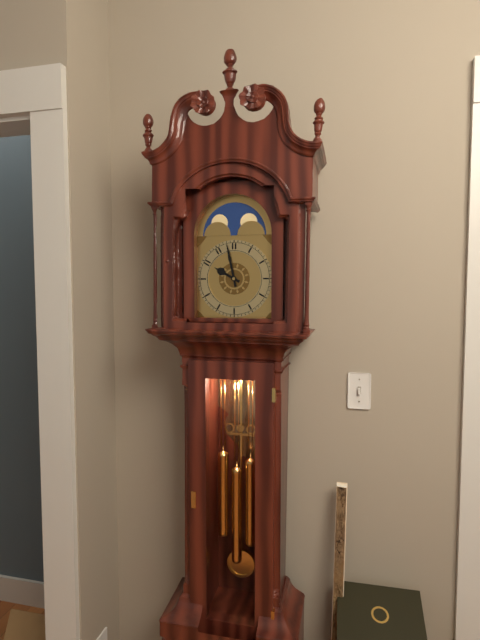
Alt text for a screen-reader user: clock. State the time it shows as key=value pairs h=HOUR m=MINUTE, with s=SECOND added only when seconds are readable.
h=9 m=58
